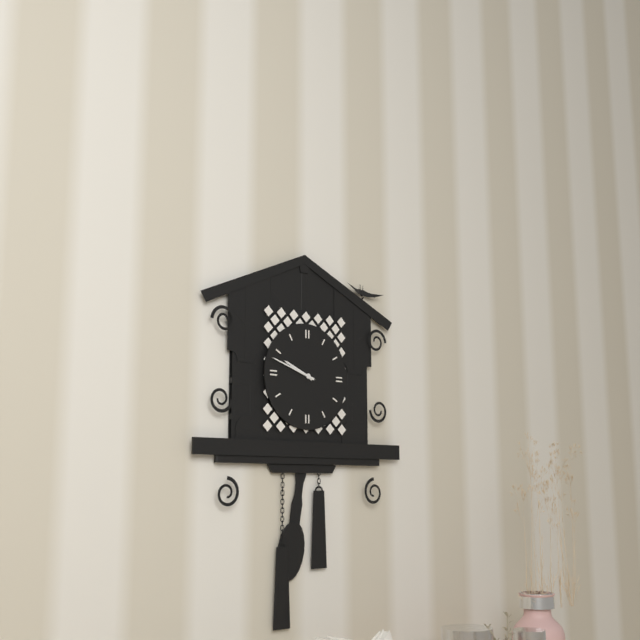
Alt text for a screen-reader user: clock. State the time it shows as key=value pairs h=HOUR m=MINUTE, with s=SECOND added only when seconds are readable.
h=9 m=48
